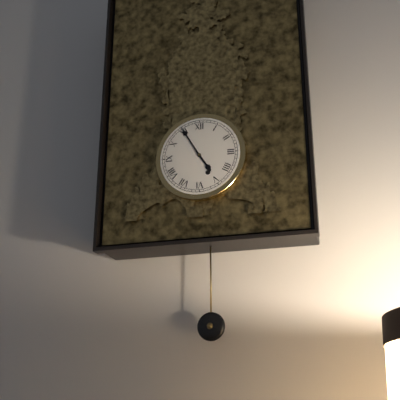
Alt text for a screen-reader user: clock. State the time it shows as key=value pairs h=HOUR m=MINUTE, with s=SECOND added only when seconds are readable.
h=4 m=55
